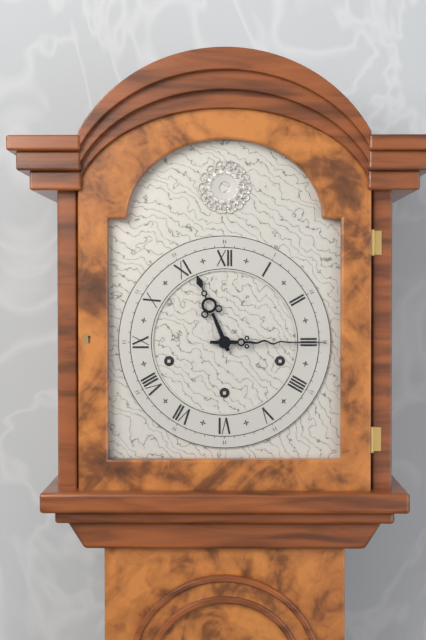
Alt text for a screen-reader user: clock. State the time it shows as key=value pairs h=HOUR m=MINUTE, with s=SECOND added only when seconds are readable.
h=11 m=15
